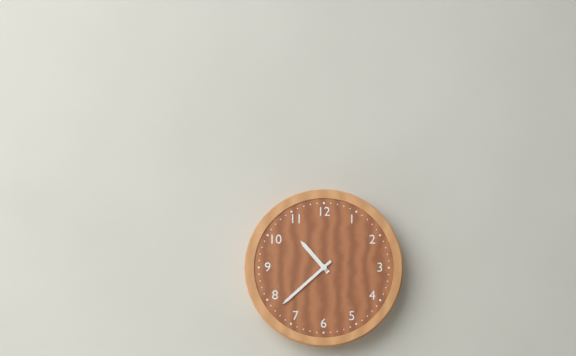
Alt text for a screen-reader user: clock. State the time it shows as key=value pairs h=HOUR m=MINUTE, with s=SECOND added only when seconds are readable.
h=10 m=38
